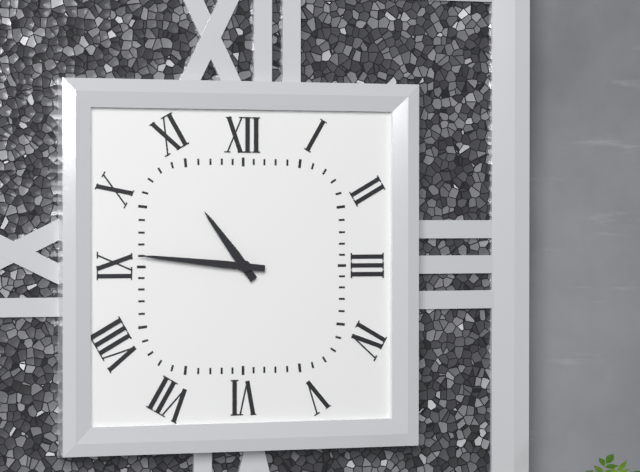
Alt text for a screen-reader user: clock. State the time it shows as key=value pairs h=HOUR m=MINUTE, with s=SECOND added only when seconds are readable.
h=10 m=46
